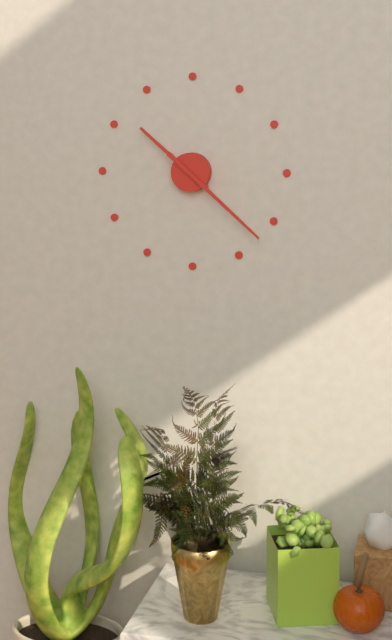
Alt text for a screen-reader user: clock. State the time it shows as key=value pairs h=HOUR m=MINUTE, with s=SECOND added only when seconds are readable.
h=10 m=22
